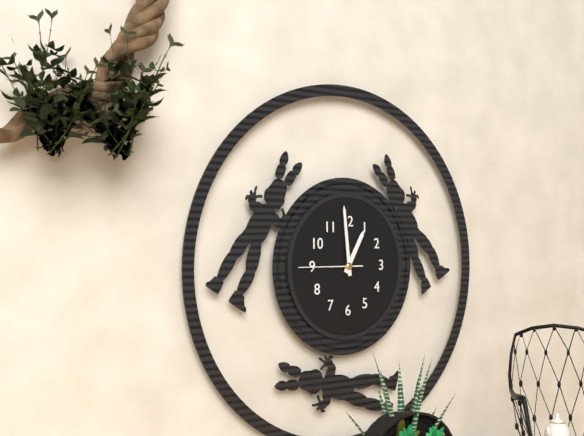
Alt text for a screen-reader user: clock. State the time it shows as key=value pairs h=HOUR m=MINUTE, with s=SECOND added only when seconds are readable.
h=12 m=59 s=45
